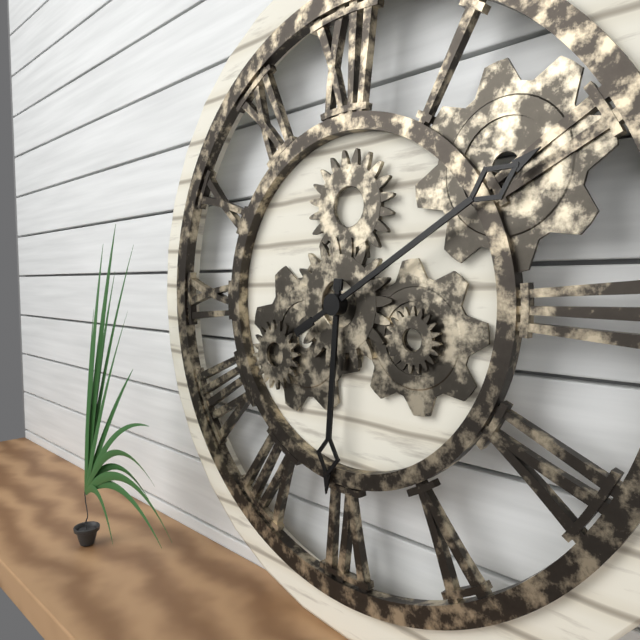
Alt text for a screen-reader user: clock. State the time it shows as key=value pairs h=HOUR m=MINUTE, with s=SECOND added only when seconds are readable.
h=6 m=10
